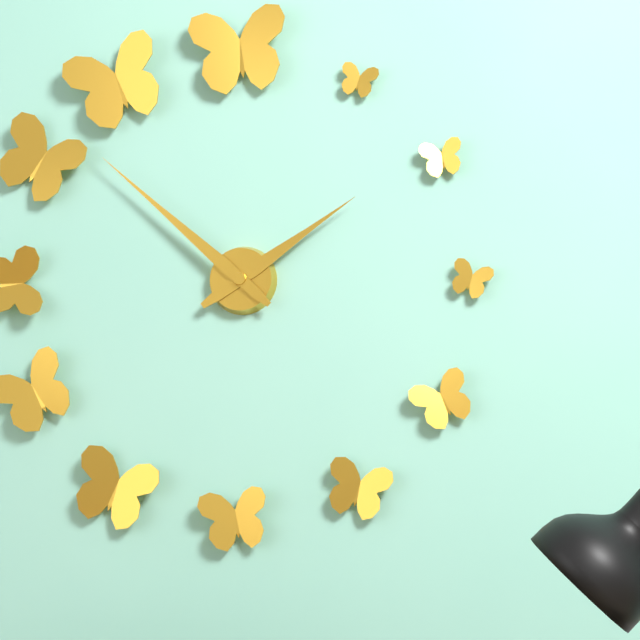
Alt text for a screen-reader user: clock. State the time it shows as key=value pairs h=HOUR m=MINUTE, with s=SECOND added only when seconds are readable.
h=1 m=52
